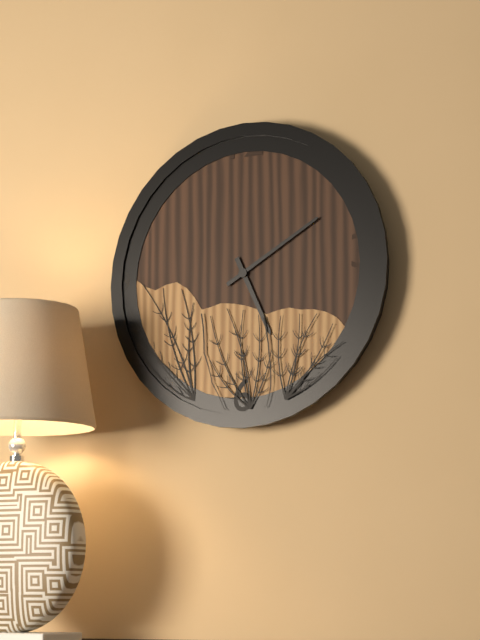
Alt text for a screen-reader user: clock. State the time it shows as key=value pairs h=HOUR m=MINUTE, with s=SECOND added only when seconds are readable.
h=5 m=10
